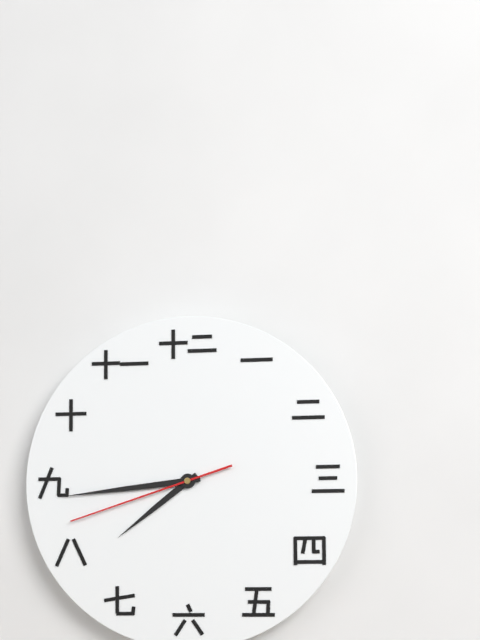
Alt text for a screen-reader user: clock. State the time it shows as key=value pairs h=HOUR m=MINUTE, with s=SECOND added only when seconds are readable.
h=7 m=44 s=42
